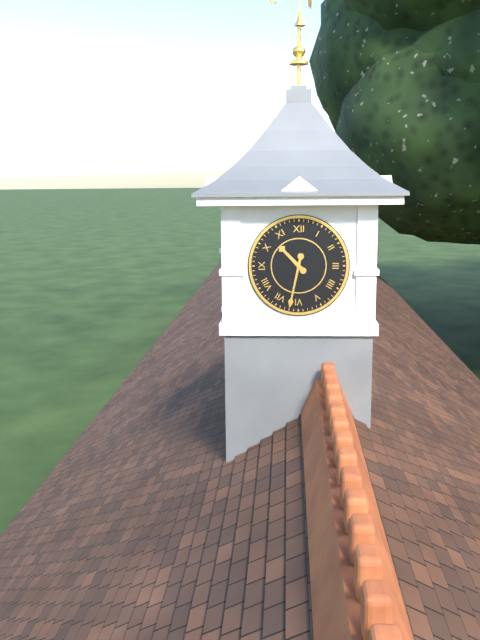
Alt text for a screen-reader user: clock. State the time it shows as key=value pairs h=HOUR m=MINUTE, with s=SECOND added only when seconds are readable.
h=10 m=32
